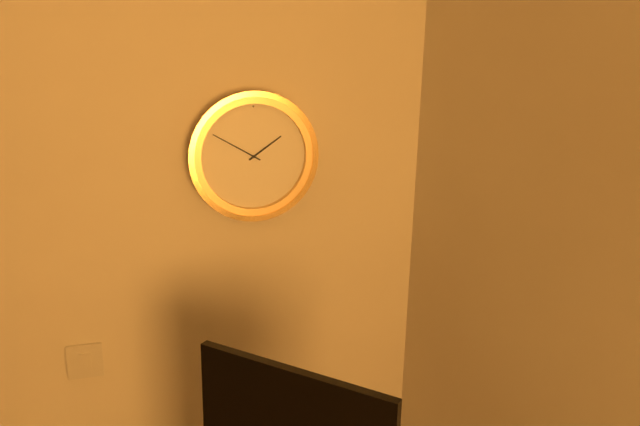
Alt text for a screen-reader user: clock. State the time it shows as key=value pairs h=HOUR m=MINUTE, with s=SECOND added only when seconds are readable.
h=1 m=50
